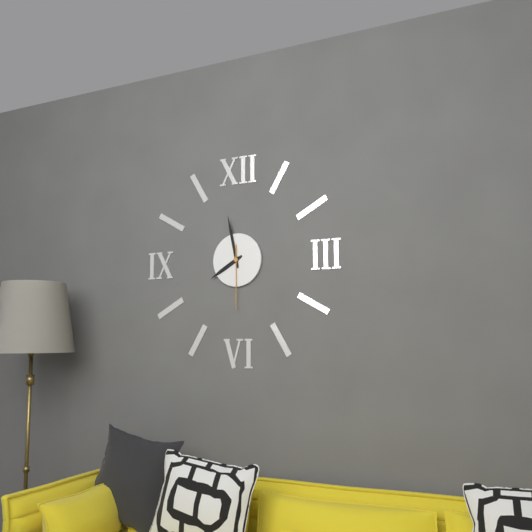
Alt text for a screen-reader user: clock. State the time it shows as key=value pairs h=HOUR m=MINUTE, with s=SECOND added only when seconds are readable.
h=7 m=58 s=30
